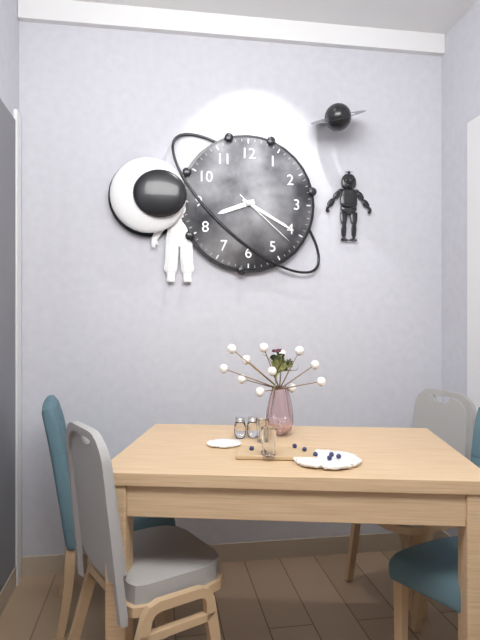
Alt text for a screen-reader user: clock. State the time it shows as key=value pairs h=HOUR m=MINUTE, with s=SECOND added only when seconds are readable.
h=8 m=20 s=22
